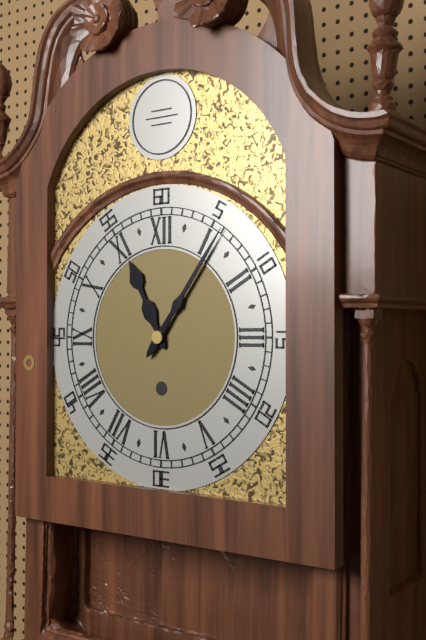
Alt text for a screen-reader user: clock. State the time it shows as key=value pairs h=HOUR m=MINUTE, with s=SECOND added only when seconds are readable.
h=11 m=6
